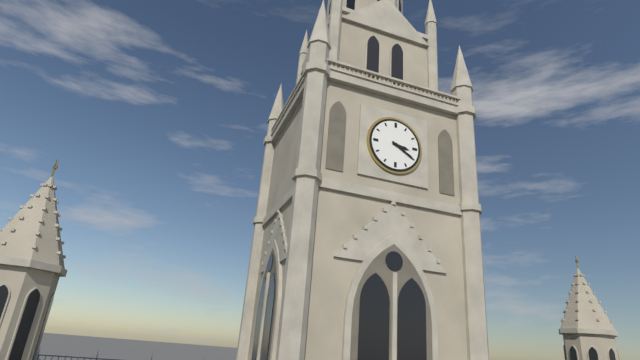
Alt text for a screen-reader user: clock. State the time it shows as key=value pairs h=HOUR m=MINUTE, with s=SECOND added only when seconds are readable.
h=3 m=20
